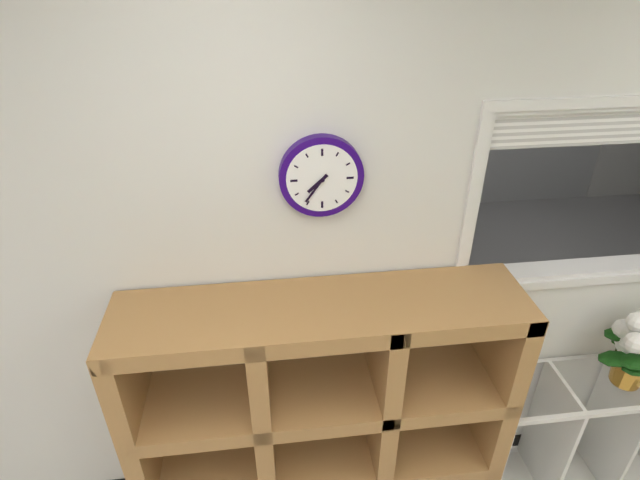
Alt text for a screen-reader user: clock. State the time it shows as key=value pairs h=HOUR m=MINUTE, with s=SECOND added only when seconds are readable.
h=7 m=36
